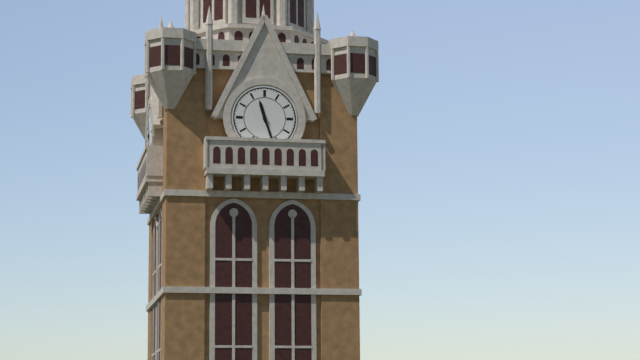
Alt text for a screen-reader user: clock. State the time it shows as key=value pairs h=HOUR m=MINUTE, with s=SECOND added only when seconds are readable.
h=11 m=27
